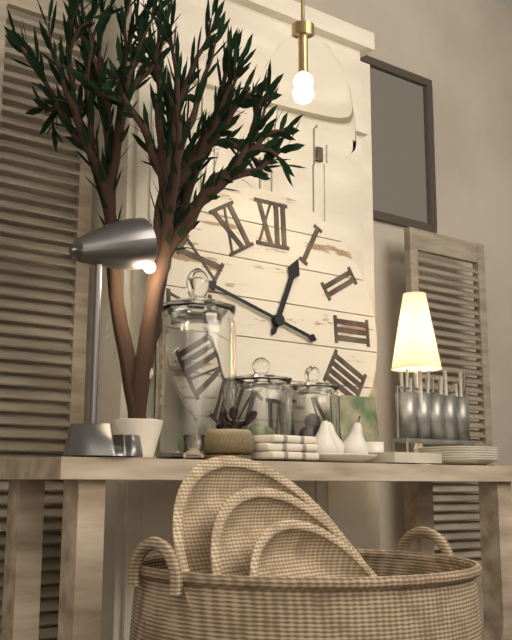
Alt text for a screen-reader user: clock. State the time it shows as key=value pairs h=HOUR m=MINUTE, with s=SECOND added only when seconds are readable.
h=12 m=48
